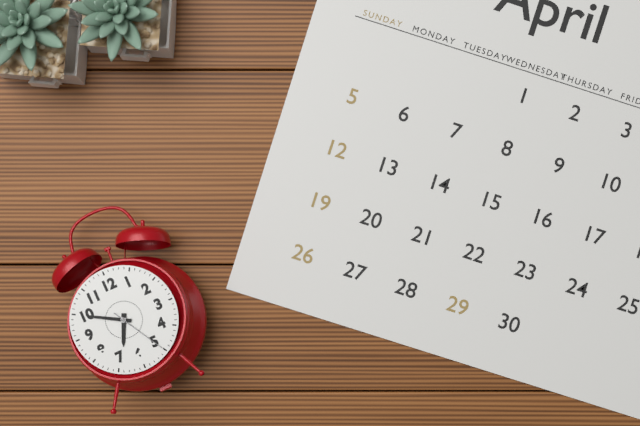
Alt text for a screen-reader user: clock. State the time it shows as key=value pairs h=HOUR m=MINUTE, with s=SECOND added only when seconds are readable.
h=6 m=50 s=25
